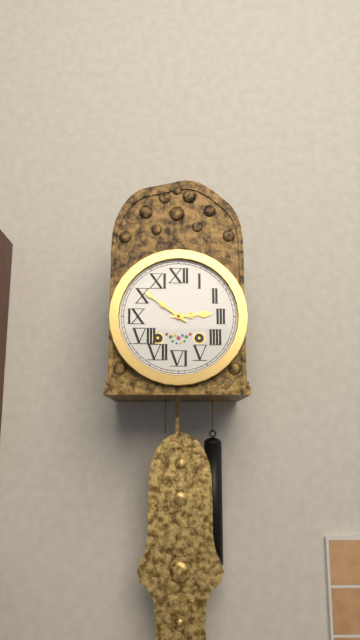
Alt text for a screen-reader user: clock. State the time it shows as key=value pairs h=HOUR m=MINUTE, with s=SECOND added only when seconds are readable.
h=2 m=51
